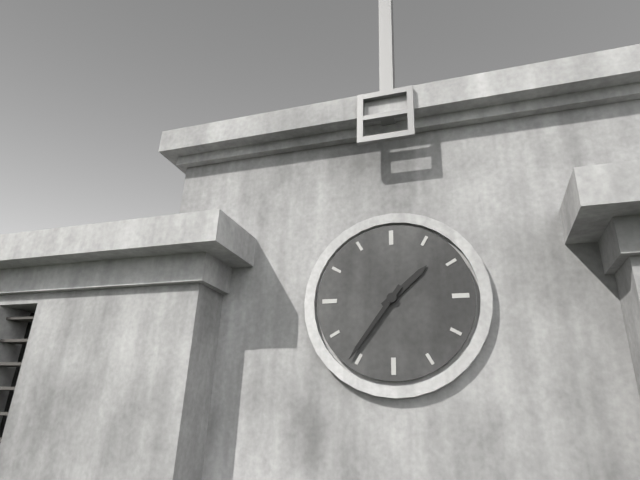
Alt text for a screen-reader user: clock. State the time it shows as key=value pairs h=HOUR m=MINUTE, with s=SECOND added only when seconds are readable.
h=1 m=36
